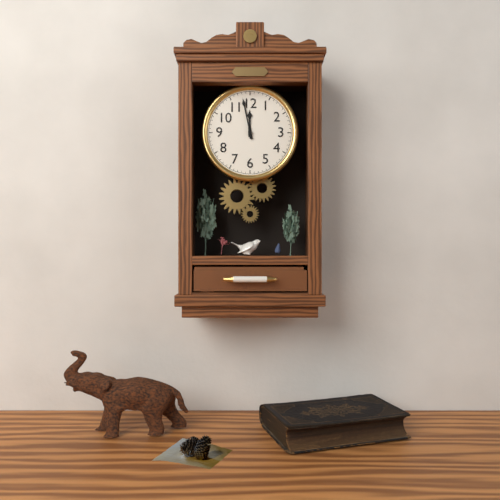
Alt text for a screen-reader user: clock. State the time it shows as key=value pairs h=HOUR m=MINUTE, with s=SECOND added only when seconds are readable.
h=11 m=58
